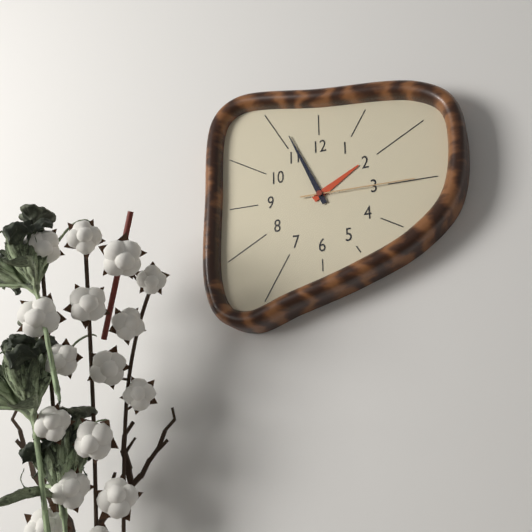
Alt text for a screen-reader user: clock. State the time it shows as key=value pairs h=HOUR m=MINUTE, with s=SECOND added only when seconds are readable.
h=1 m=56 s=15
